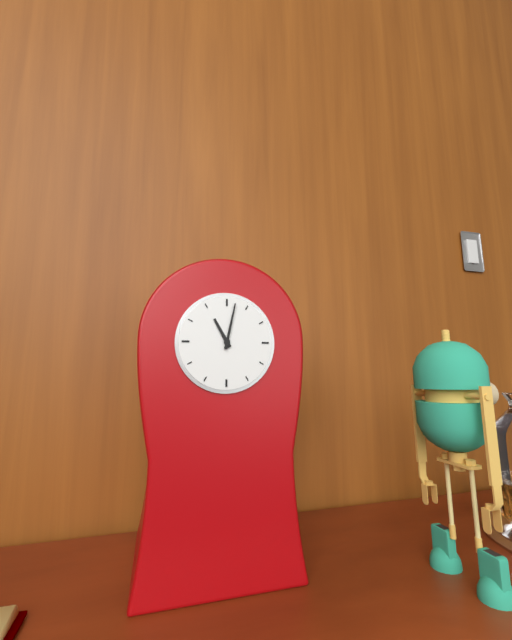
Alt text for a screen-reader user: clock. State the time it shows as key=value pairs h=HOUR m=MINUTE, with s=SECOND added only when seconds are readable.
h=11 m=2
